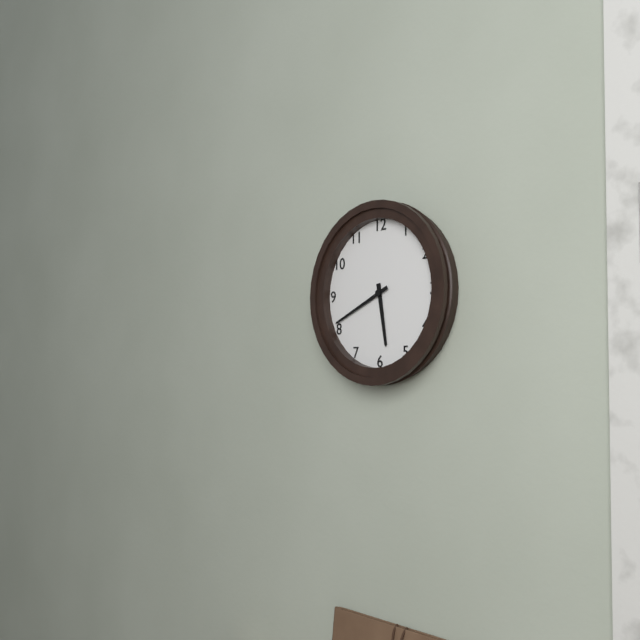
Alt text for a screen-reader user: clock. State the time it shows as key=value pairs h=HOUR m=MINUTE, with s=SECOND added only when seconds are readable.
h=5 m=41
